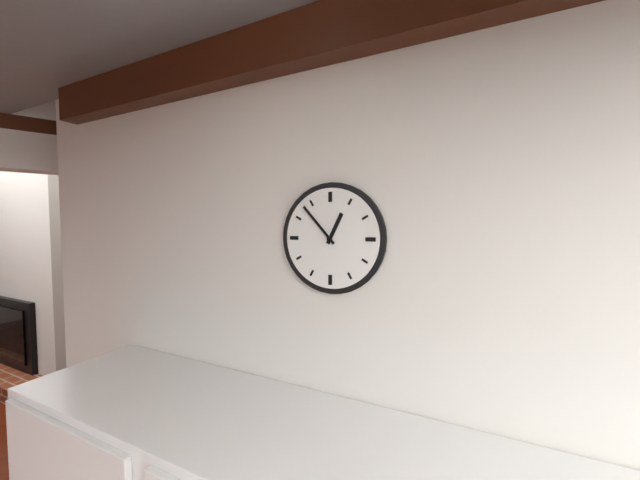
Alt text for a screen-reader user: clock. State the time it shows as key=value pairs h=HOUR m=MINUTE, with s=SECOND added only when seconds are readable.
h=12 m=53
